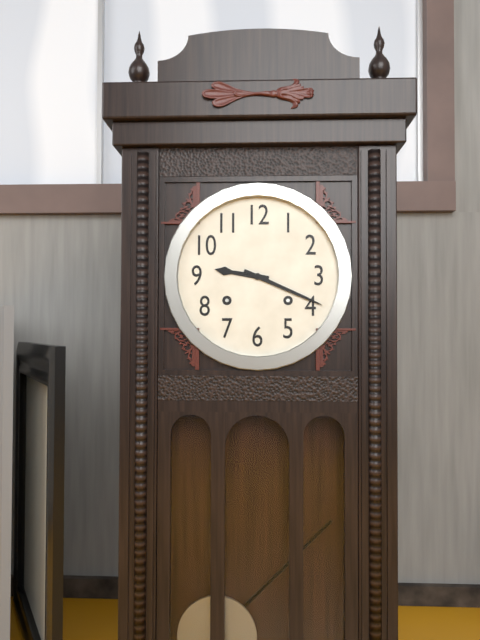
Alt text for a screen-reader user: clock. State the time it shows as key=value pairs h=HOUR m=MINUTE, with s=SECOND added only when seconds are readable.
h=9 m=19
